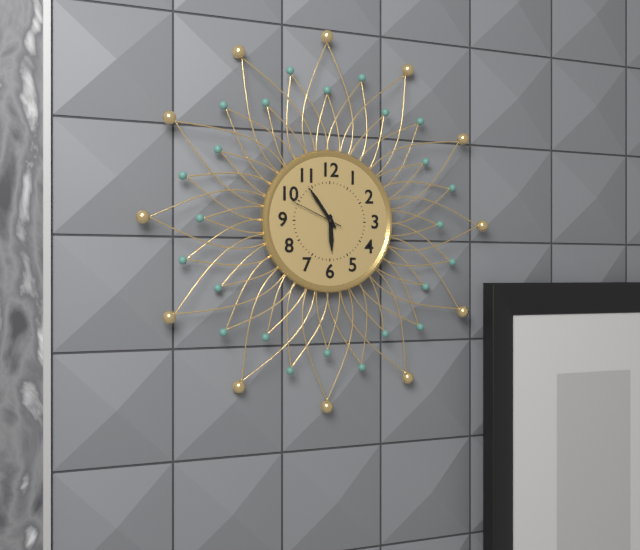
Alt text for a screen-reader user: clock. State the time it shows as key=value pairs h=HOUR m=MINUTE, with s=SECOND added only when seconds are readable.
h=5 m=54 s=49
